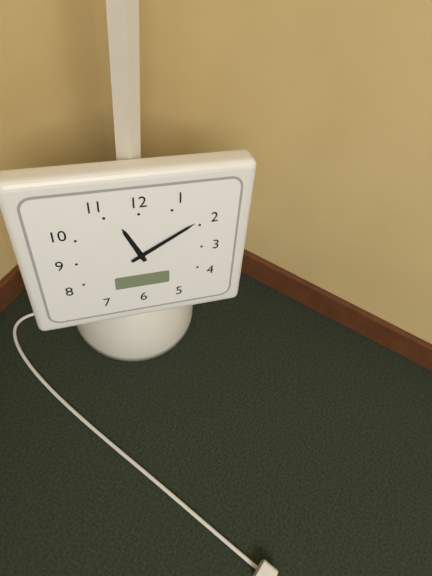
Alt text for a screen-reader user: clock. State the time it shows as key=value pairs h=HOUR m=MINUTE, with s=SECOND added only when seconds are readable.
h=11 m=10
